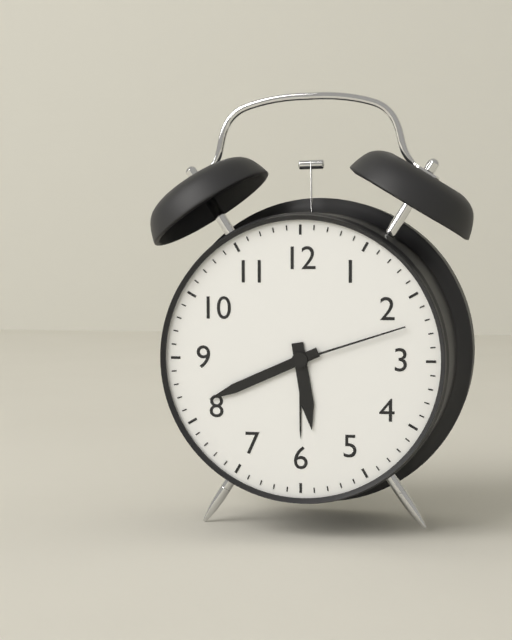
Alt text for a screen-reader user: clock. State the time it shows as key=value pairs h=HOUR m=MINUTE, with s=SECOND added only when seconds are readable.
h=5 m=41 s=12
